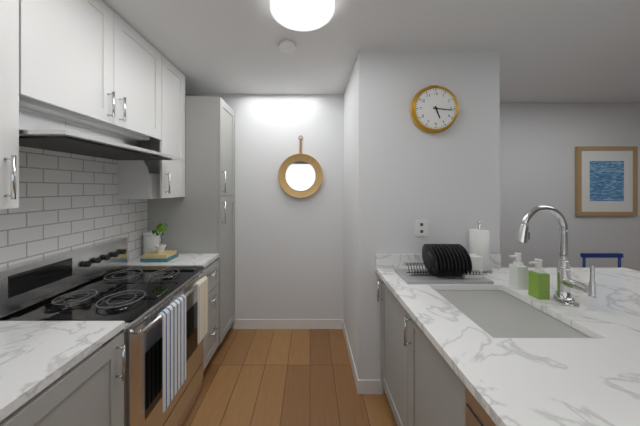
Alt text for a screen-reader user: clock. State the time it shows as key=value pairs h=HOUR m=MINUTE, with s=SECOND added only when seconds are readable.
h=5 m=16
